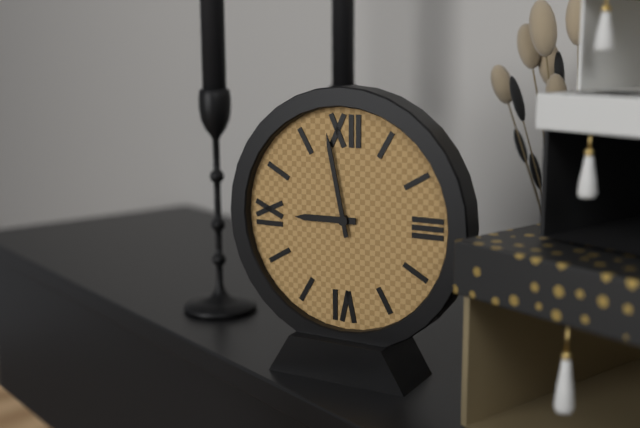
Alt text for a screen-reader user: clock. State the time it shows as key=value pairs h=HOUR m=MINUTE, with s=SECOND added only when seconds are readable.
h=8 m=58
